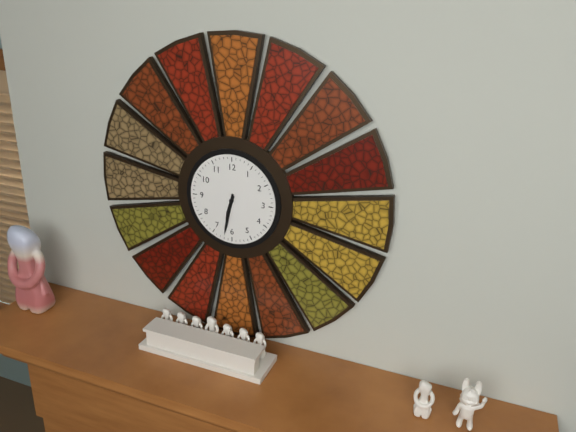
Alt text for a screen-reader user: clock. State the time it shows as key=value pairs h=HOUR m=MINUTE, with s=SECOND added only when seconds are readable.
h=6 m=32
